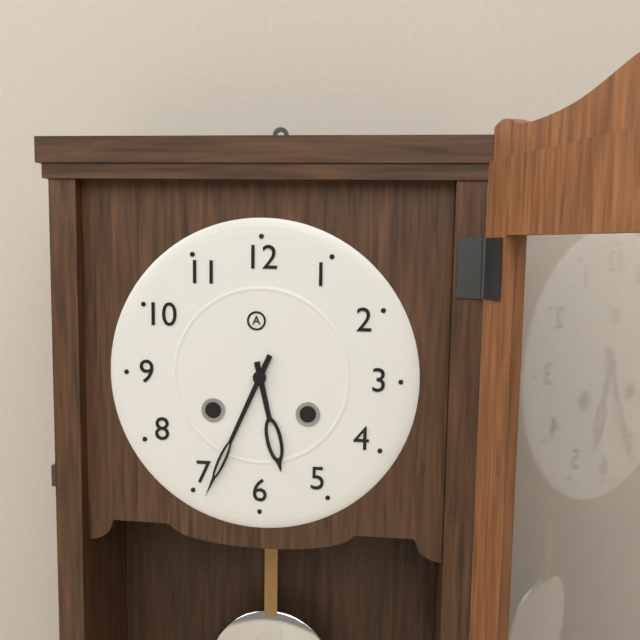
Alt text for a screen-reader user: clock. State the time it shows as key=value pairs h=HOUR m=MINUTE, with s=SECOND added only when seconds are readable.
h=5 m=34
